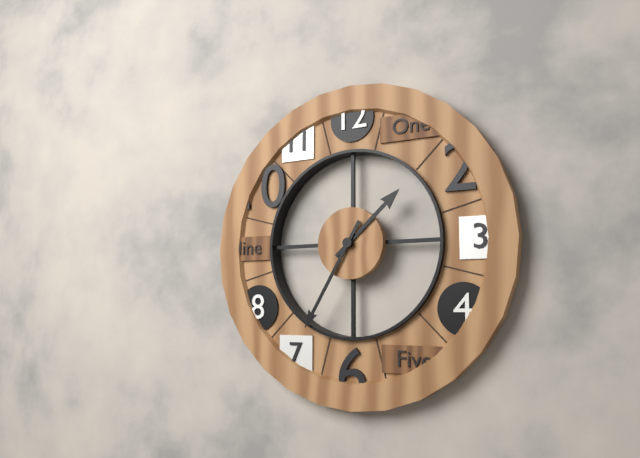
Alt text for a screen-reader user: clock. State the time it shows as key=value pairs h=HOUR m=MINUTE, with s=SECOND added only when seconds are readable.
h=1 m=35
